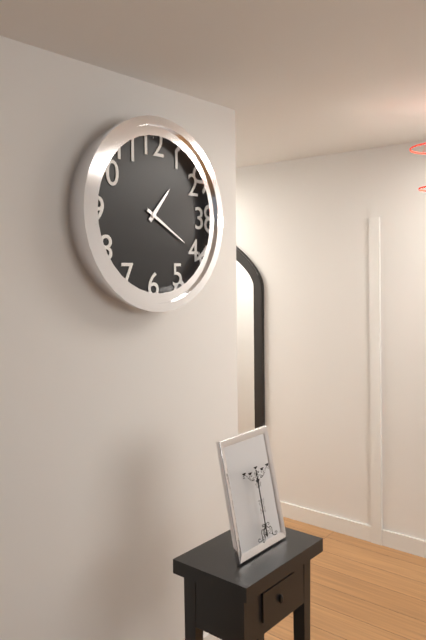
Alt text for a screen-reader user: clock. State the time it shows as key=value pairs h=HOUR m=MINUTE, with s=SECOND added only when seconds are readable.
h=1 m=20
